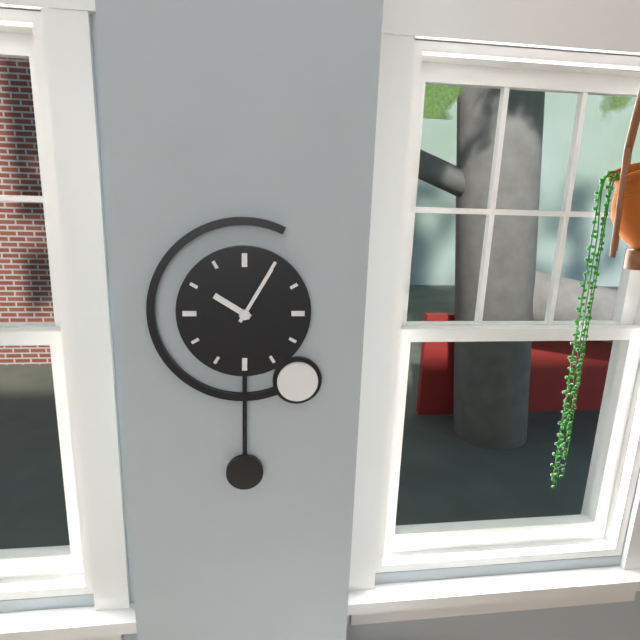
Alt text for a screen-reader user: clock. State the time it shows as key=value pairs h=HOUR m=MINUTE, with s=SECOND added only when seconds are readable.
h=10 m=5
